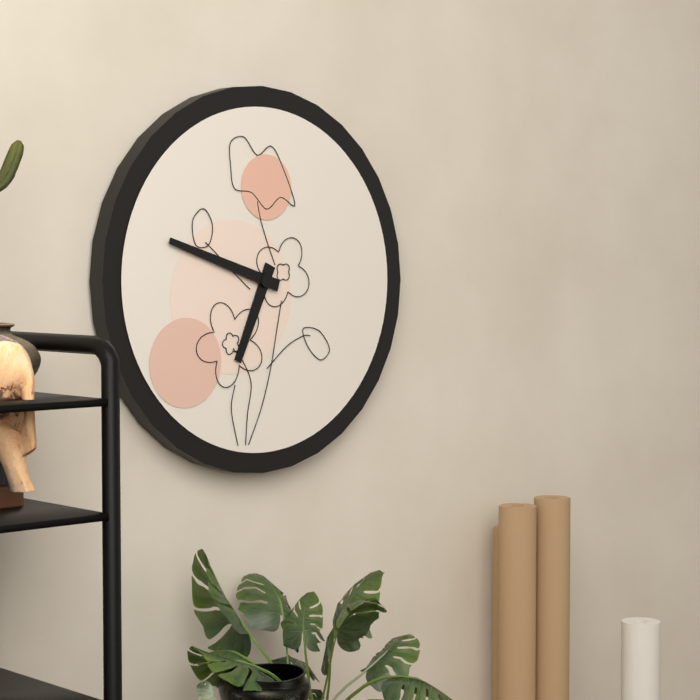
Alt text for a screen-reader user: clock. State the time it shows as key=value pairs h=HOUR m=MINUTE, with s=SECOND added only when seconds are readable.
h=6 m=48
